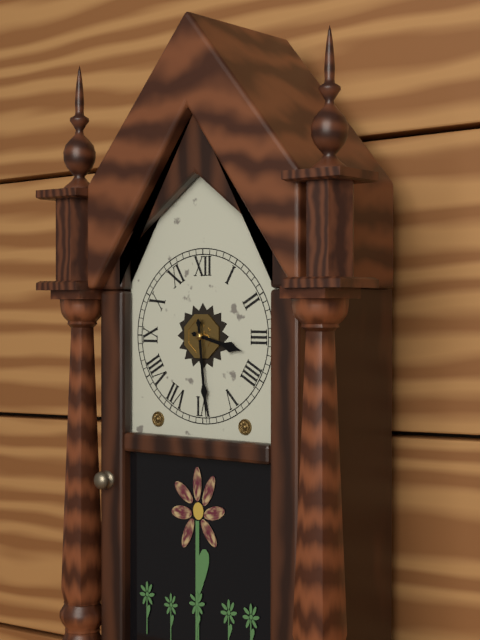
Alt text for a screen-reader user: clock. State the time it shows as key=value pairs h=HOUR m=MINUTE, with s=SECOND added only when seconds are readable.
h=3 m=29
